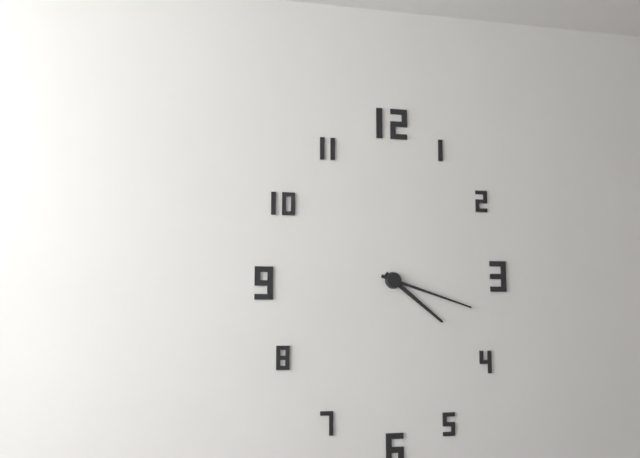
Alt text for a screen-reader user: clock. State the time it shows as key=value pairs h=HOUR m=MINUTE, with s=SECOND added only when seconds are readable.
h=4 m=18
